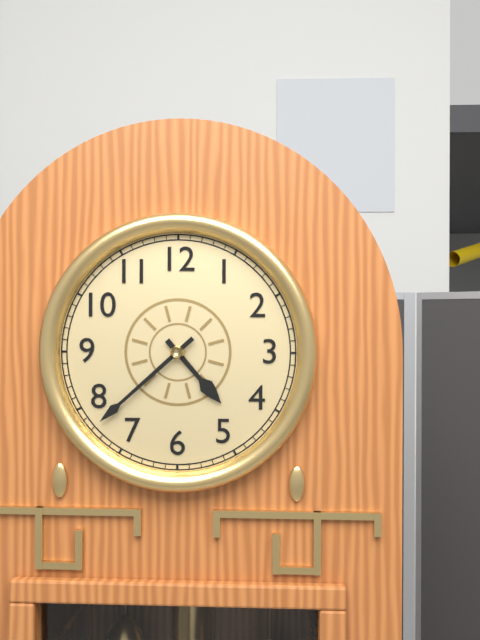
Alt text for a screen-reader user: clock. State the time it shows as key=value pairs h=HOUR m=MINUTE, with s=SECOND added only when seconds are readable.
h=4 m=38
